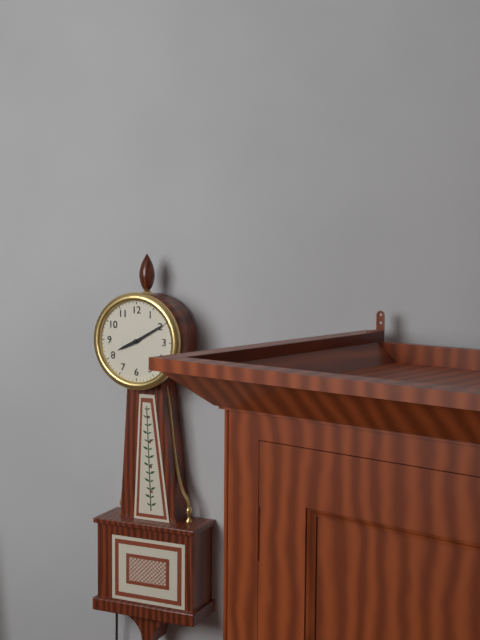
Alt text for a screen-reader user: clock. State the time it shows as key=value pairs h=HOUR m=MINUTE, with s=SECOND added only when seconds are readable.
h=8 m=10
